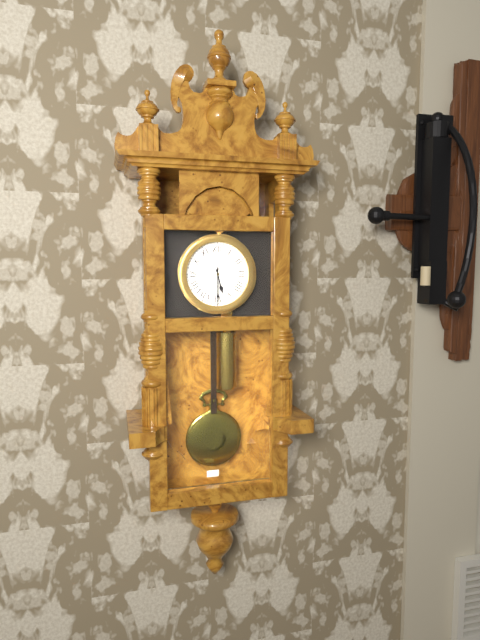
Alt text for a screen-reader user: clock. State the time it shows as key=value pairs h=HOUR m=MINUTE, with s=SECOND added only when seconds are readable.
h=5 m=30
